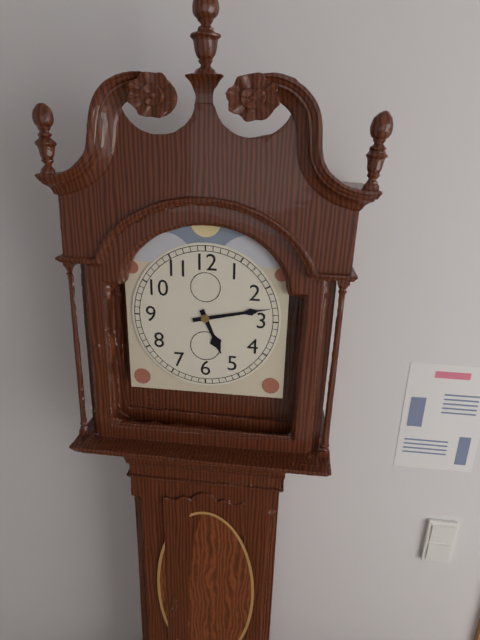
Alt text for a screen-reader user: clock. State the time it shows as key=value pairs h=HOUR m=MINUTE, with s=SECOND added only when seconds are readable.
h=5 m=13
